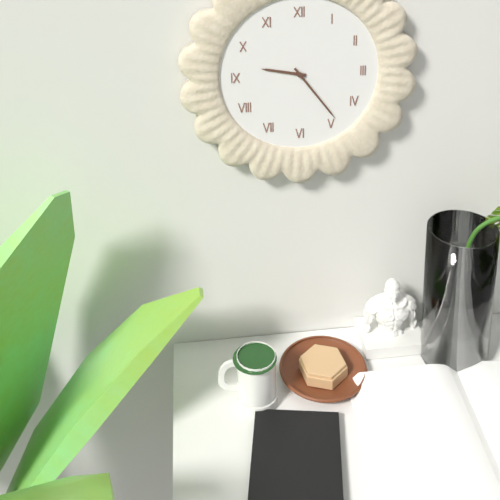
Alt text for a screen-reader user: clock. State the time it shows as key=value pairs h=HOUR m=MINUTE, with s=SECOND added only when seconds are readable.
h=9 m=24
